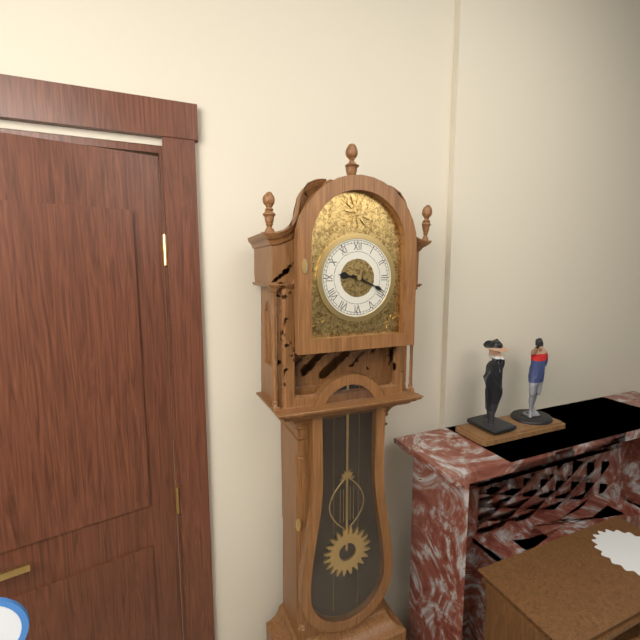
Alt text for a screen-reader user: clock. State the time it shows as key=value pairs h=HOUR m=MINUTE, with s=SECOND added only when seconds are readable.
h=9 m=19
